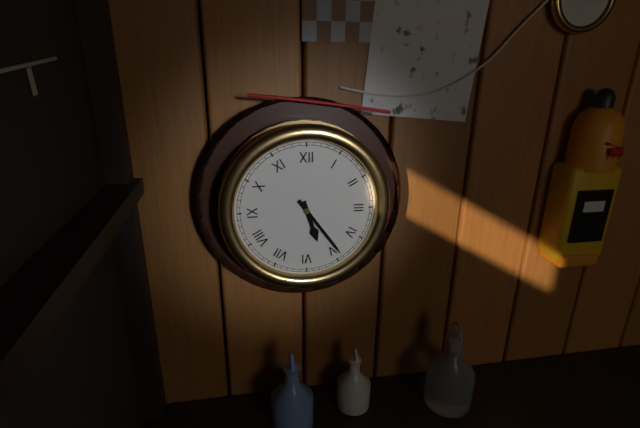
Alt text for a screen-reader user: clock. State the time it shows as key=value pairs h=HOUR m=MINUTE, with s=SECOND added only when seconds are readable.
h=5 m=24
